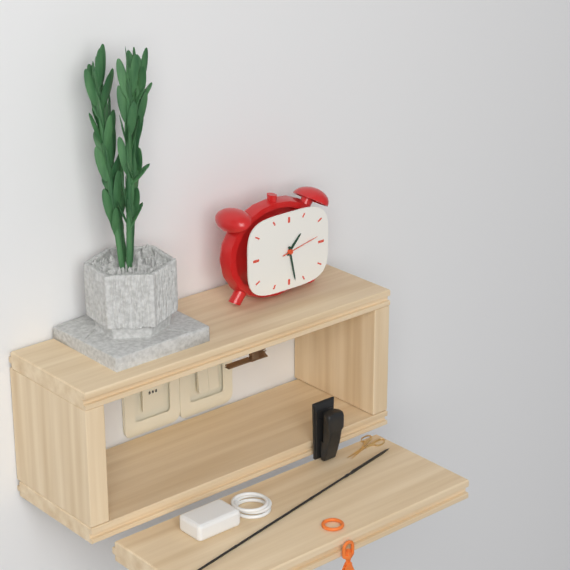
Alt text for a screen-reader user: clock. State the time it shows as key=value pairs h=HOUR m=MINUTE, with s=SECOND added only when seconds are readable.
h=1 m=28
